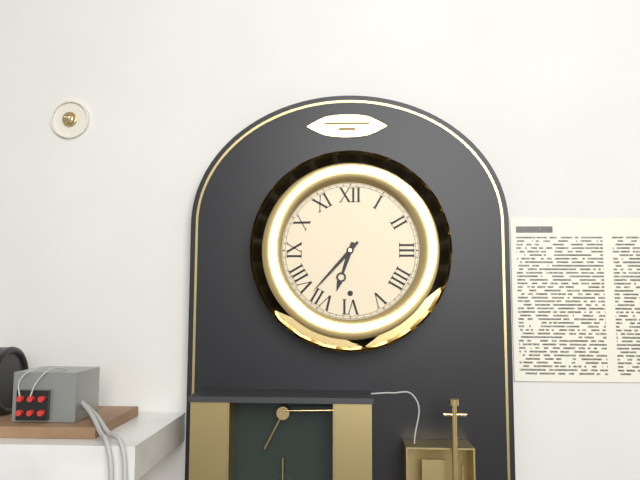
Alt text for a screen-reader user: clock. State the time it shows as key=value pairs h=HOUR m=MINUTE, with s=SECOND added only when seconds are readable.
h=6 m=37
